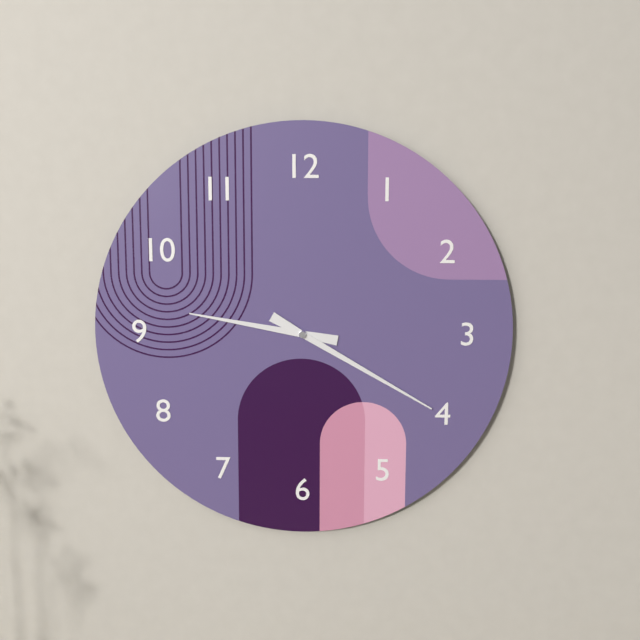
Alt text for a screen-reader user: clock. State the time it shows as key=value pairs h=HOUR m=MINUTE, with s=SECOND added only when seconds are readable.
h=9 m=20
